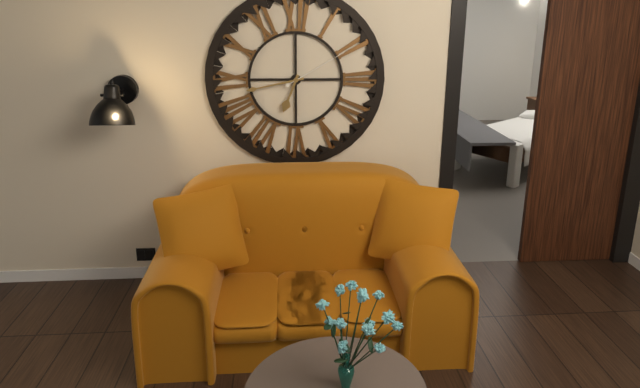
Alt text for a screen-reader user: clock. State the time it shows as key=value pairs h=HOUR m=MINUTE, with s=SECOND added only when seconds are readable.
h=6 m=43 s=10
